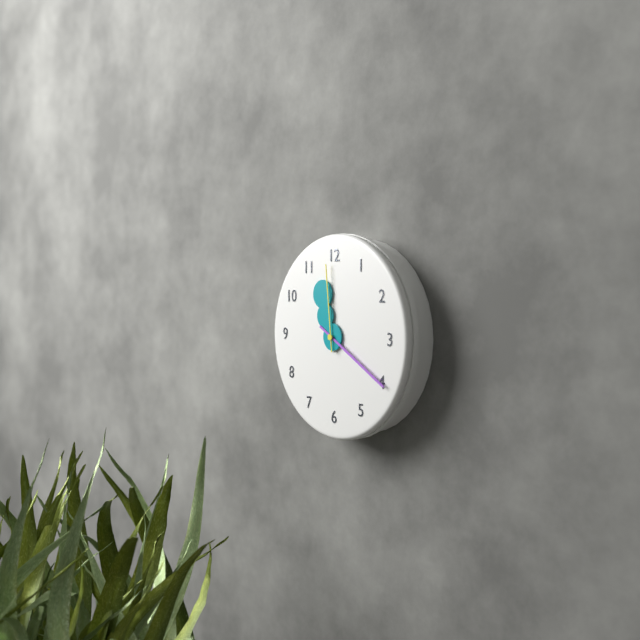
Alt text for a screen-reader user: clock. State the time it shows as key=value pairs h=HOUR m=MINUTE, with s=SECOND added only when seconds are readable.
h=11 m=20 s=59
